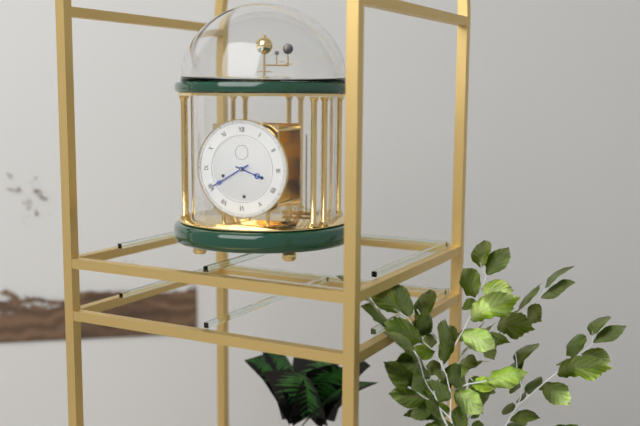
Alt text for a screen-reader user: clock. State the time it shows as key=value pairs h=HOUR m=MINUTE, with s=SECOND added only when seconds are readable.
h=3 m=40
